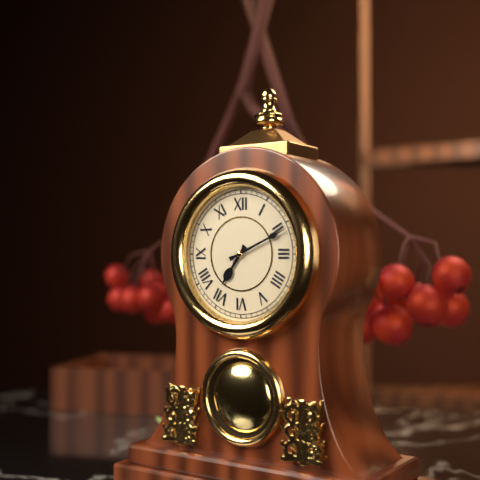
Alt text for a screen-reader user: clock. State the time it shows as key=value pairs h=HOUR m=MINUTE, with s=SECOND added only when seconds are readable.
h=7 m=11
